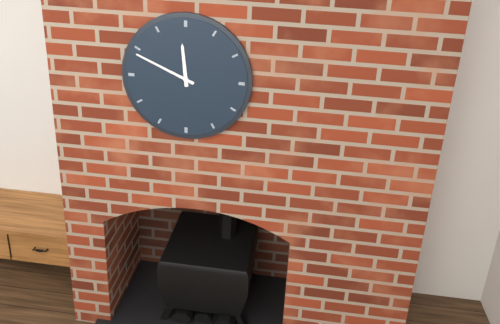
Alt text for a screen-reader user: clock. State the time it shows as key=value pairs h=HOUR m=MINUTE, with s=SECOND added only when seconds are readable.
h=11 m=49
